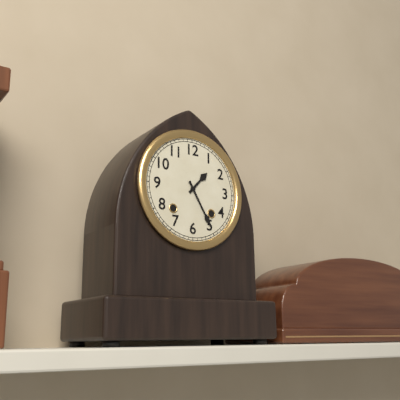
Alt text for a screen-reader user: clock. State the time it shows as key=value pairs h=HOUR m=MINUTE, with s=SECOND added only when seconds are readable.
h=1 m=25
